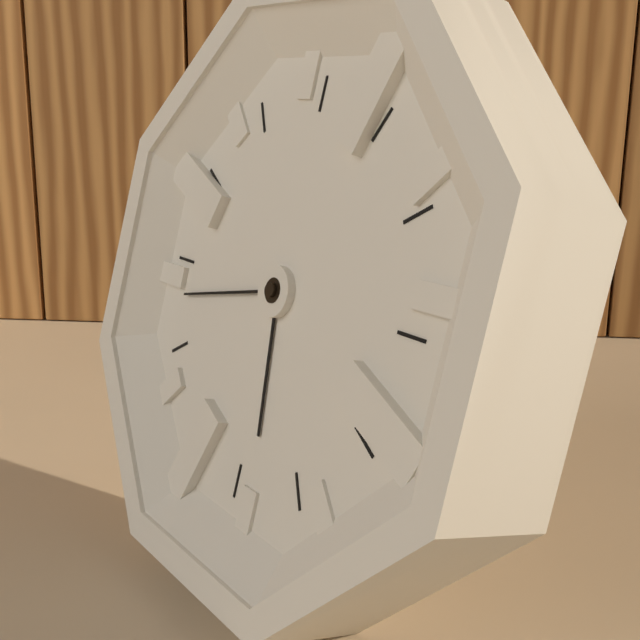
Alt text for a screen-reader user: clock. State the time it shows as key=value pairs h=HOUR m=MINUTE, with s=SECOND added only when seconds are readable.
h=5 m=43
